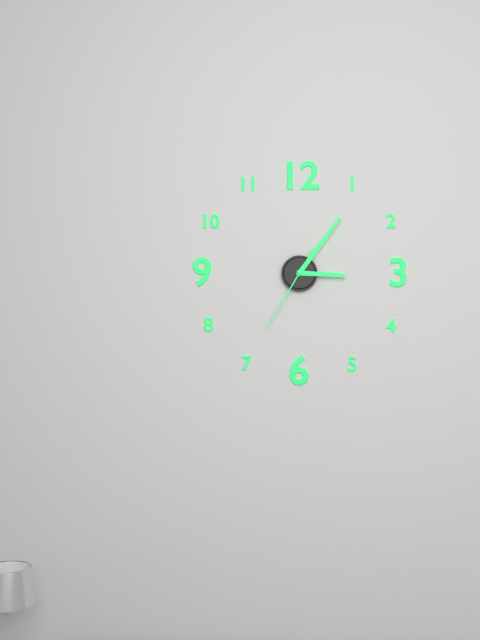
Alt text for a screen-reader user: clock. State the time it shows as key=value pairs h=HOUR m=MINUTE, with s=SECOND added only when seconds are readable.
h=3 m=6 s=35
